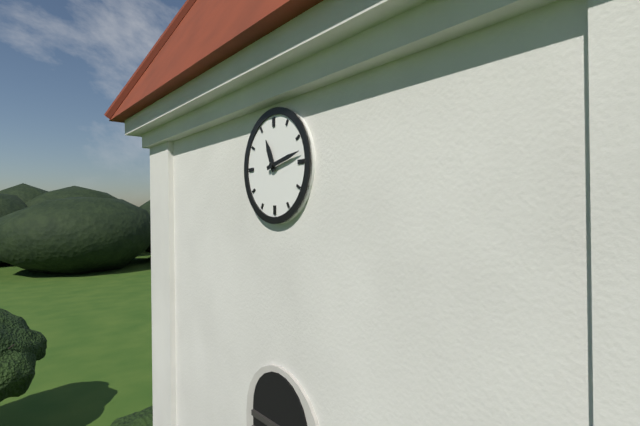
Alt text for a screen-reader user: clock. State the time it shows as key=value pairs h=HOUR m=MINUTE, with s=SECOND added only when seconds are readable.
h=11 m=13
